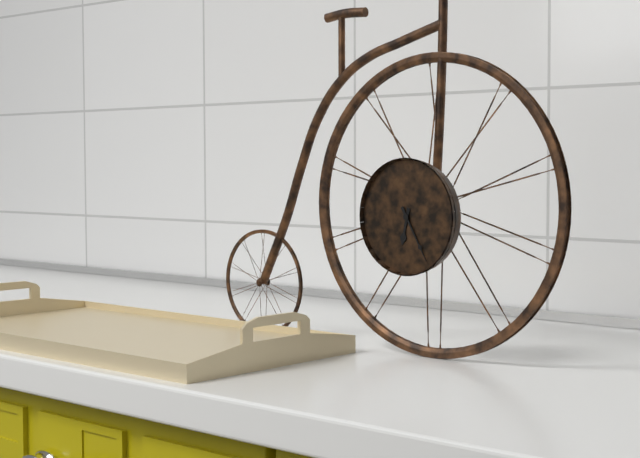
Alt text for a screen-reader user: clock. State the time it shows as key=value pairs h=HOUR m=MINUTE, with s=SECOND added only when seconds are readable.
h=6 m=25
